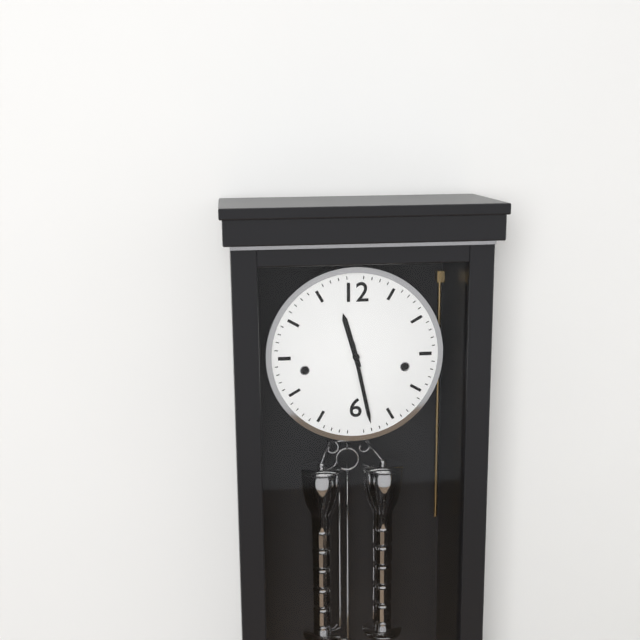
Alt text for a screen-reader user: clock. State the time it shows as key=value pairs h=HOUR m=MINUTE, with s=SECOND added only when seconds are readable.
h=11 m=28
